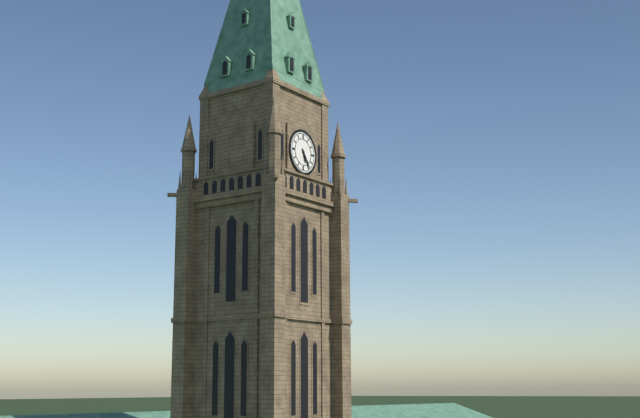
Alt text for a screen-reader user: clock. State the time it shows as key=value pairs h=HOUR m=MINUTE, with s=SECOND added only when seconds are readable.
h=5 m=24
